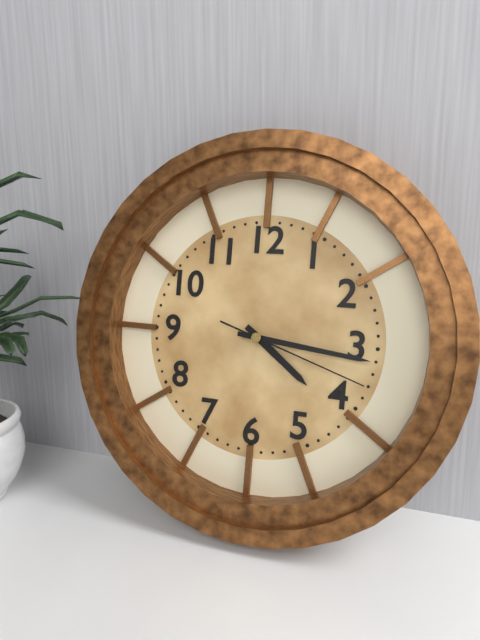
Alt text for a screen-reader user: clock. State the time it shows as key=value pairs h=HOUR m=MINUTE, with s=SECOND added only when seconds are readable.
h=4 m=16 s=18
